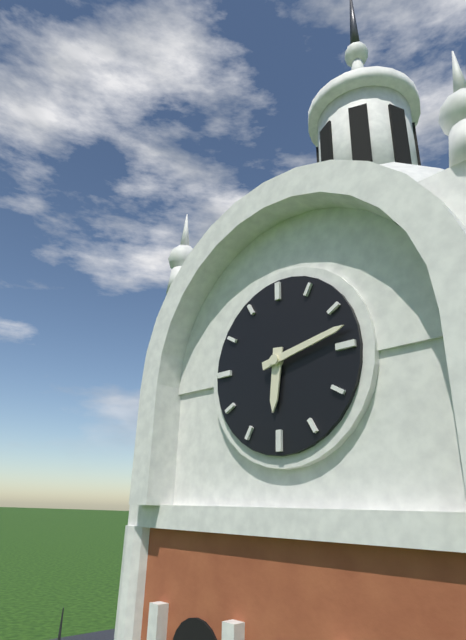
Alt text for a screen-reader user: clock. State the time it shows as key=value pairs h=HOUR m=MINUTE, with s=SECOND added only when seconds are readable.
h=6 m=13
